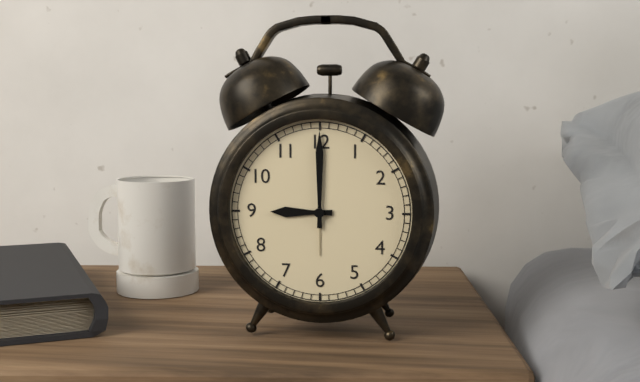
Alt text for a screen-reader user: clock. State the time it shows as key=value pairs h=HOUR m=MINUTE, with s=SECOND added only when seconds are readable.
h=9 m=0
